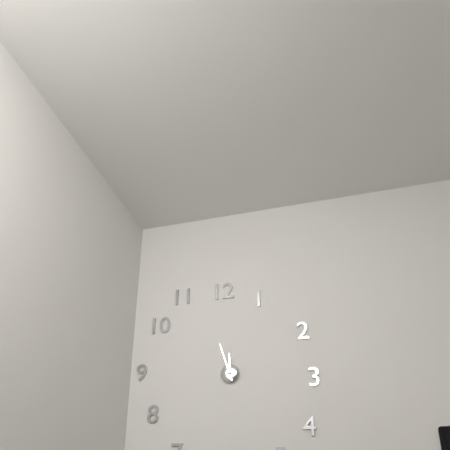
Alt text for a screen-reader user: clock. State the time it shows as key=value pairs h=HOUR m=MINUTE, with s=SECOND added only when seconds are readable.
h=11 m=57
